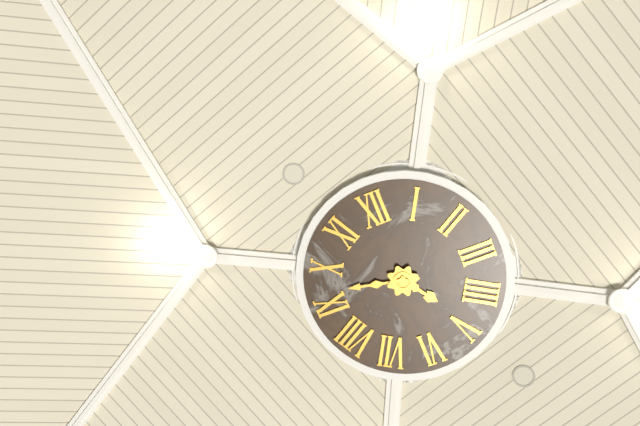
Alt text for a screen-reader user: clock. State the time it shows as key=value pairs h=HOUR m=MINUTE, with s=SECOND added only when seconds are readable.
h=4 m=47
